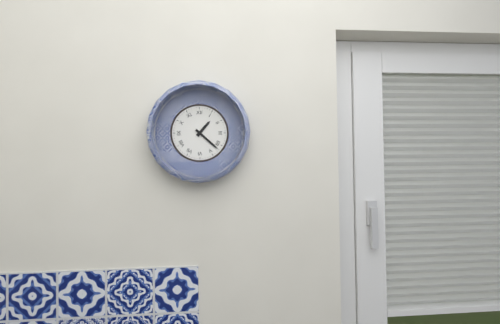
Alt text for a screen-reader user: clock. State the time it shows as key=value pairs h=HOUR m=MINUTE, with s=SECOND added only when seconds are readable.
h=1 m=22
